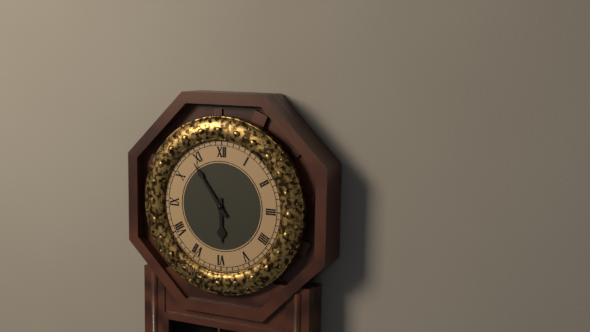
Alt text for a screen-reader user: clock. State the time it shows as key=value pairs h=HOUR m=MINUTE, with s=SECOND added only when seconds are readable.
h=5 m=54
